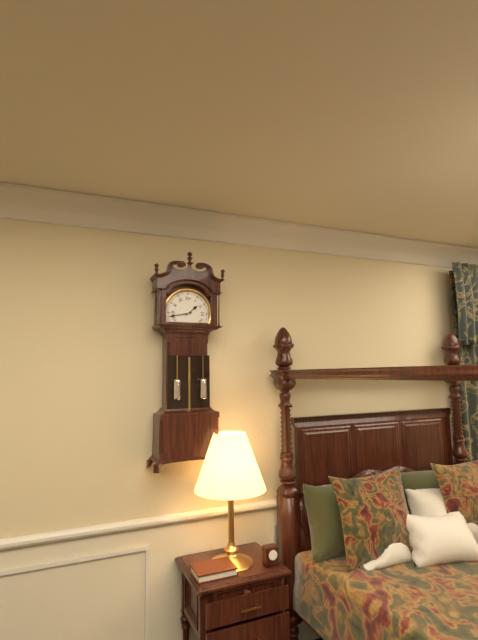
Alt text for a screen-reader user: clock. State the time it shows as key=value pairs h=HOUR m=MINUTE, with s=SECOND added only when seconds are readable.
h=1 m=43
